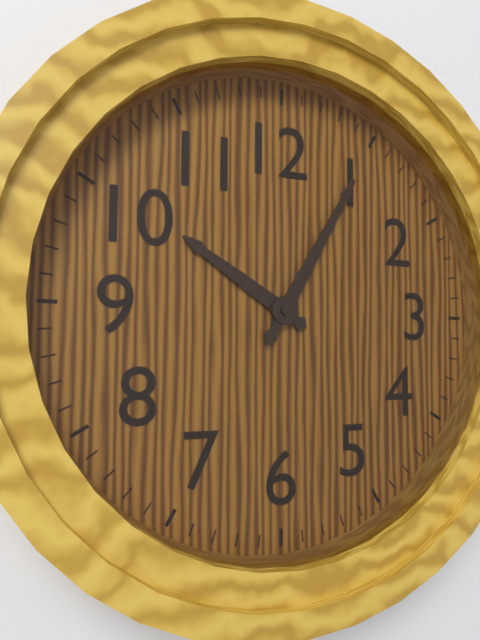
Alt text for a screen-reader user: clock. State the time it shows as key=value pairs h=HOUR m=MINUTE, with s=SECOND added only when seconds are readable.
h=10 m=5
